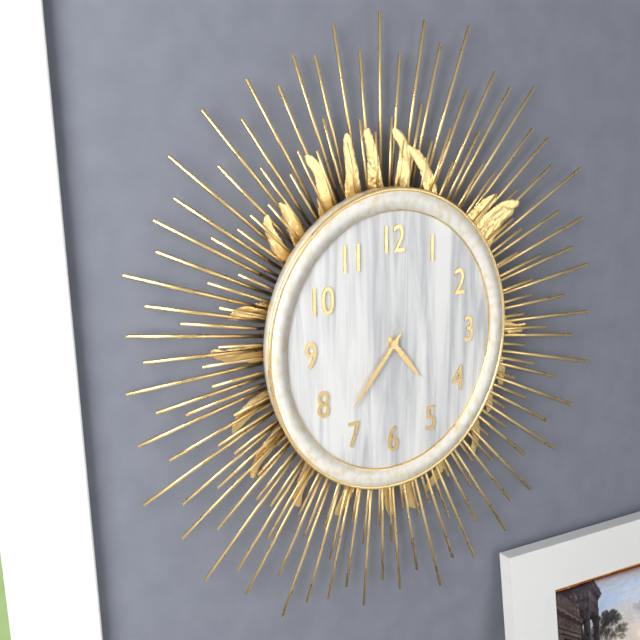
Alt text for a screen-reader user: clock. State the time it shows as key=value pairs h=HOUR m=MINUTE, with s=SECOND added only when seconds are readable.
h=4 m=37
